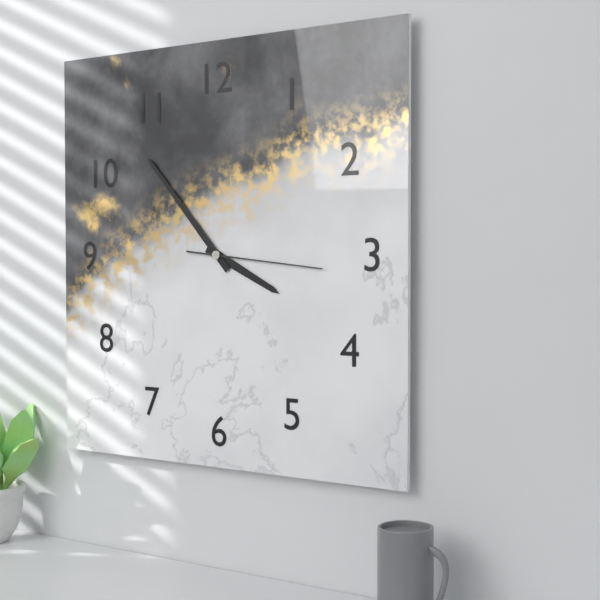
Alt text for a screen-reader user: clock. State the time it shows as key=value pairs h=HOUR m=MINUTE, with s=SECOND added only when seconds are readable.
h=3 m=53 s=16
